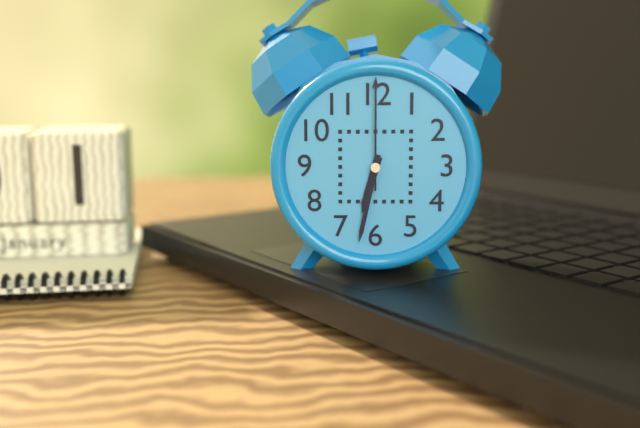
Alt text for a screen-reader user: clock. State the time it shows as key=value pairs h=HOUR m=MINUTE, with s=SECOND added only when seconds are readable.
h=6 m=32 s=0
